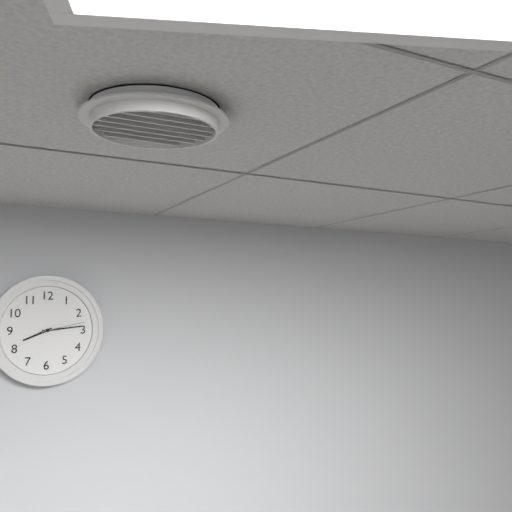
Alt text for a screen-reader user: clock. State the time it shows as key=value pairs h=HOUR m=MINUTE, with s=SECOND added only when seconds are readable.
h=8 m=14
